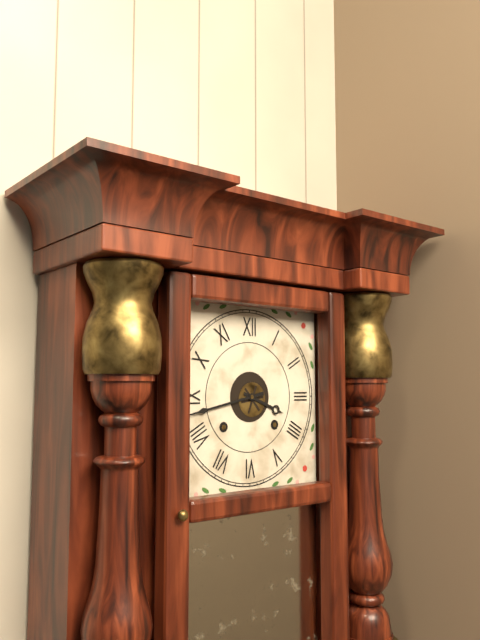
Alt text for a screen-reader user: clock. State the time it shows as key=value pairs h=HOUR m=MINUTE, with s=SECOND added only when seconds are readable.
h=3 m=43
